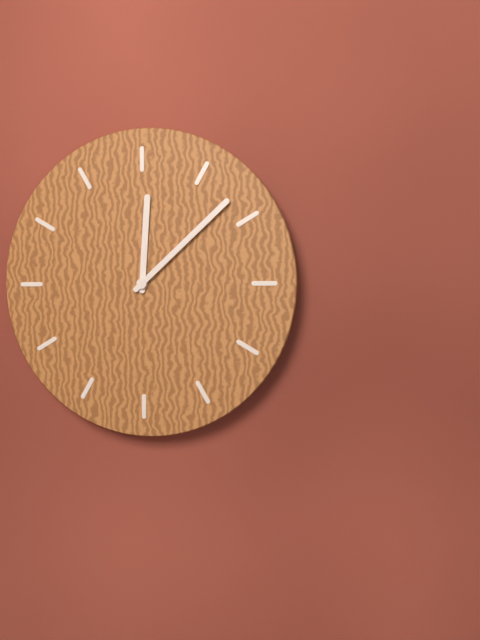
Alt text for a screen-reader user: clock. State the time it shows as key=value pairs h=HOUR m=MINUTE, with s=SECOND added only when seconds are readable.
h=12 m=8
